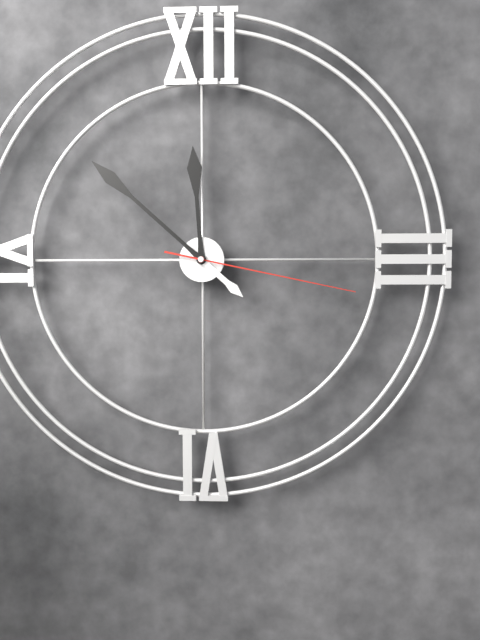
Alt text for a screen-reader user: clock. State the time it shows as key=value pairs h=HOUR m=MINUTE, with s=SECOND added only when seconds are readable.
h=11 m=52 s=17
